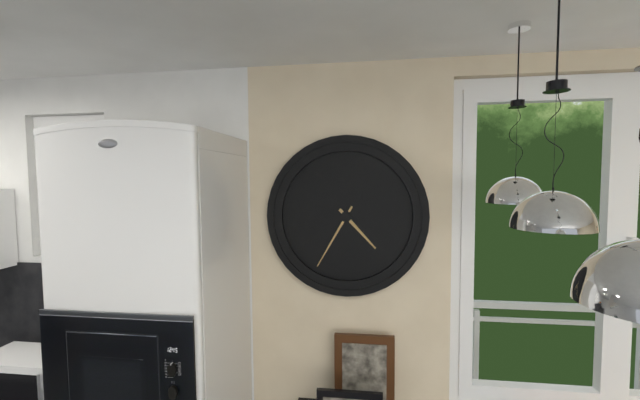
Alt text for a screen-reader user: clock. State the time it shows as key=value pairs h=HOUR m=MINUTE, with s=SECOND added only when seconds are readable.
h=4 m=35
